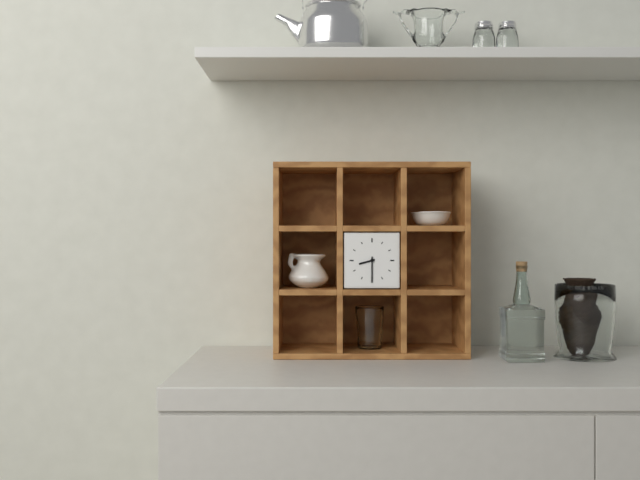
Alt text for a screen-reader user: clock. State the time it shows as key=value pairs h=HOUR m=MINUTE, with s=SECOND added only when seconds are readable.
h=8 m=30
